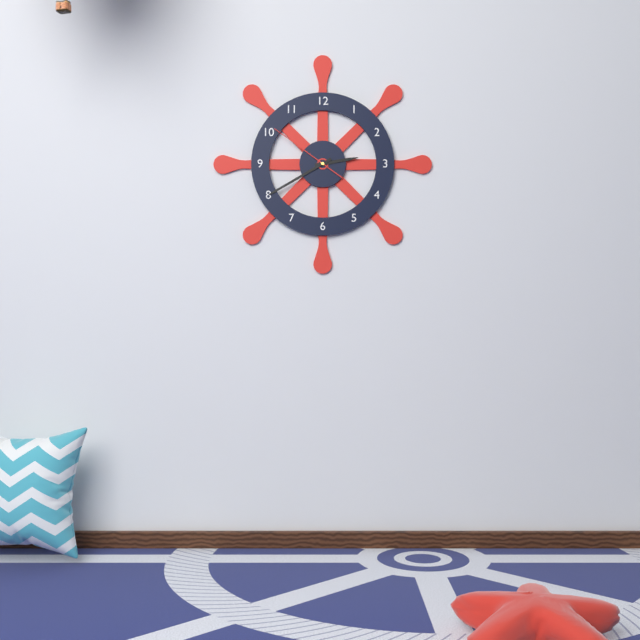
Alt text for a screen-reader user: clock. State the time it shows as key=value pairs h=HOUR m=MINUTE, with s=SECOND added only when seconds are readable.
h=2 m=40 s=51
